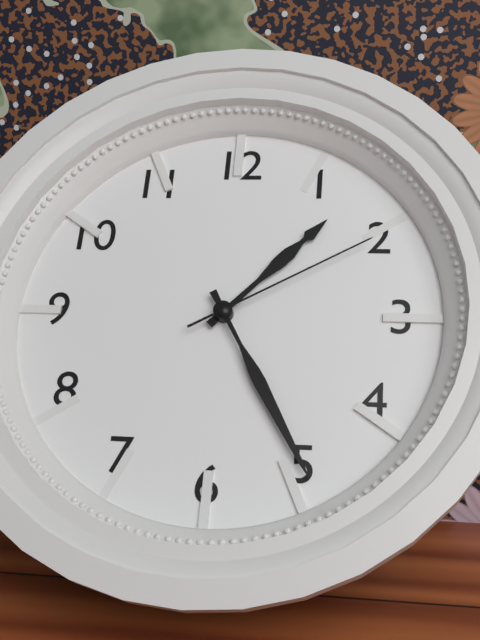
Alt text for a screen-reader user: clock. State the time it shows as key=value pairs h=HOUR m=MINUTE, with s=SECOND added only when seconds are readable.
h=1 m=25 s=10
